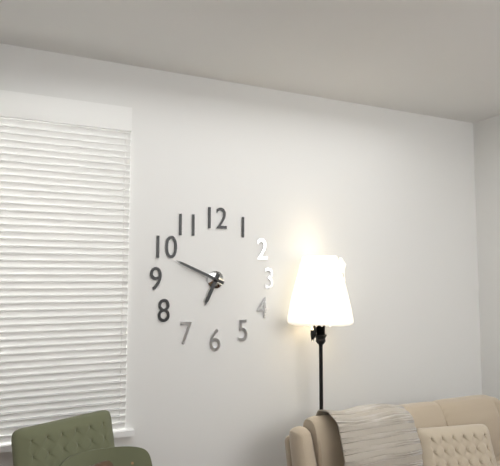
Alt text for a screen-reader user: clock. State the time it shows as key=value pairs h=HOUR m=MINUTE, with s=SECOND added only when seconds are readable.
h=6 m=49
